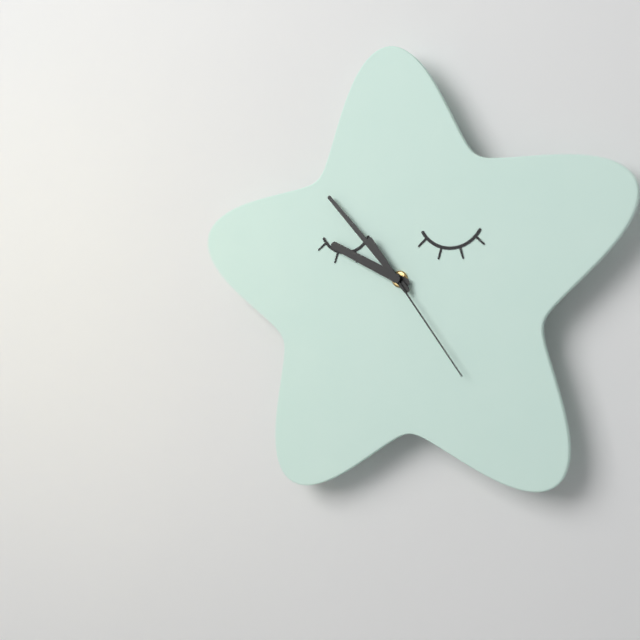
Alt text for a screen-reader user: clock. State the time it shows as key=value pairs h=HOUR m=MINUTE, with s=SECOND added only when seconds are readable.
h=9 m=53 s=24
